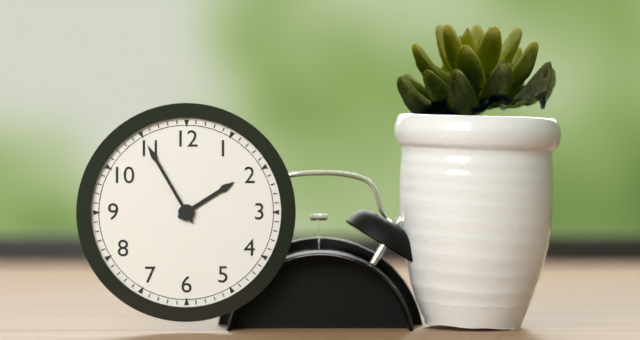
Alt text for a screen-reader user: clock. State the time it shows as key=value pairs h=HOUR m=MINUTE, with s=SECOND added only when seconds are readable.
h=1 m=55
